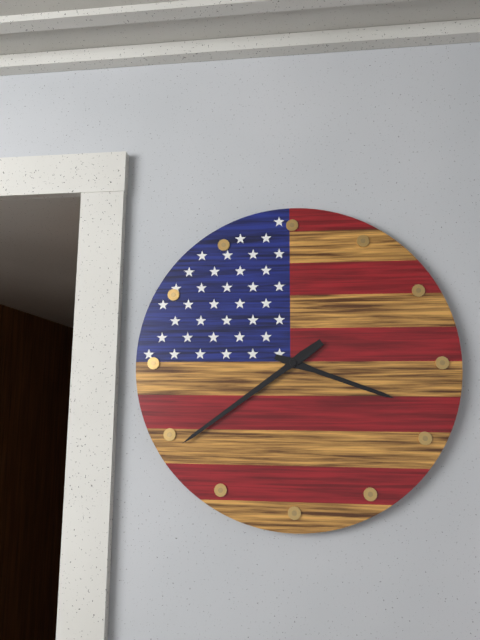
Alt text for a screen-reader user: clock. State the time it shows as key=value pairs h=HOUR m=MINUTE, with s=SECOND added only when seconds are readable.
h=3 m=39
